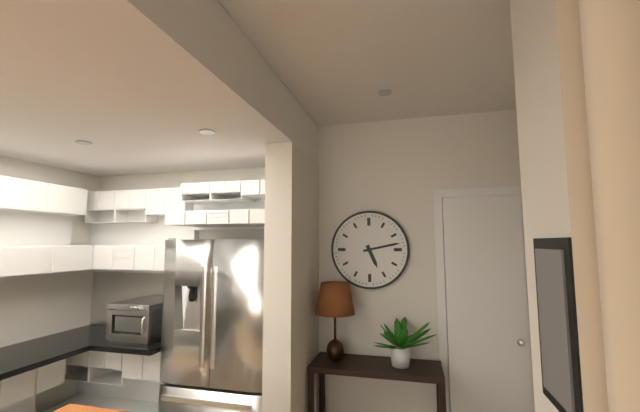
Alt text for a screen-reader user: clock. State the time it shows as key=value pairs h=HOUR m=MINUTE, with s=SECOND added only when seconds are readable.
h=5 m=13
